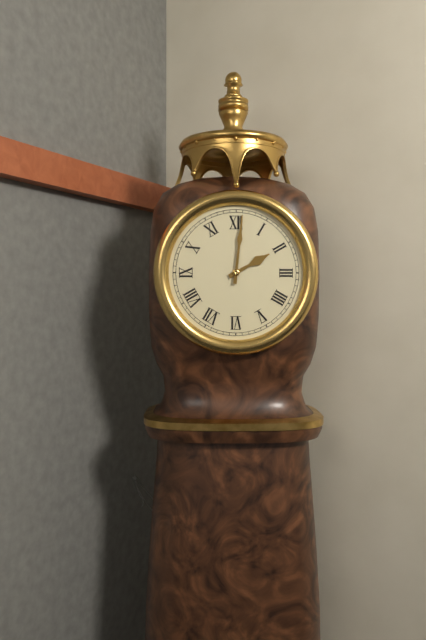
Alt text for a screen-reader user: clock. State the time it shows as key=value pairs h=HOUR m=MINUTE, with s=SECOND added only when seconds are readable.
h=2 m=1
